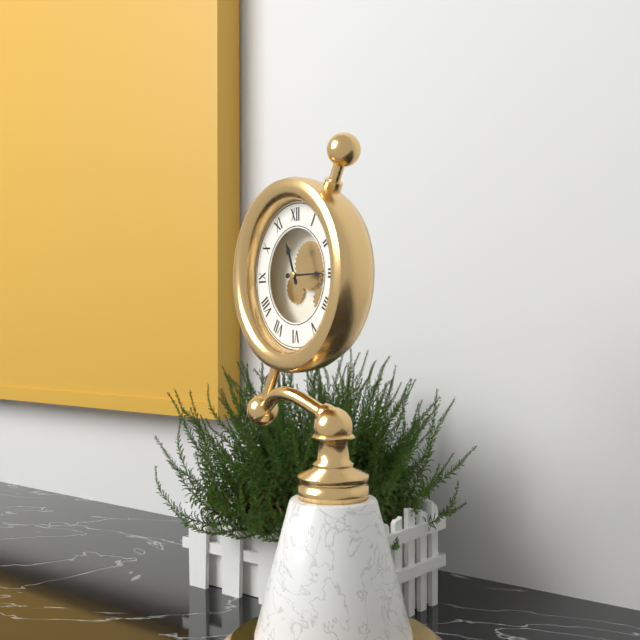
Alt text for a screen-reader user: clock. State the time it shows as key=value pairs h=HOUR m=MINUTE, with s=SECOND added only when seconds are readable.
h=11 m=15
